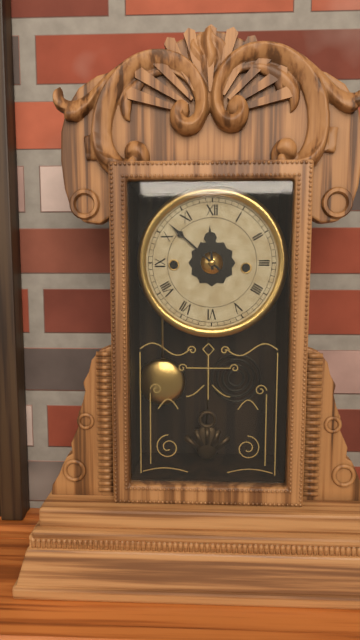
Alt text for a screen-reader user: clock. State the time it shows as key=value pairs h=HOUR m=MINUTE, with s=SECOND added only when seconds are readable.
h=11 m=52
